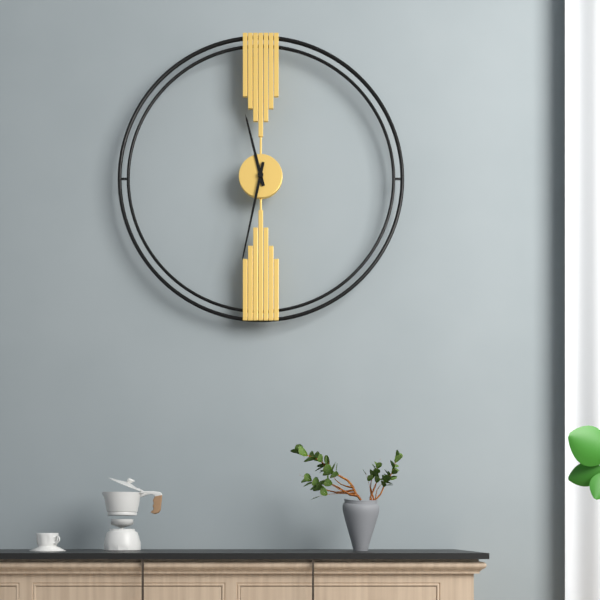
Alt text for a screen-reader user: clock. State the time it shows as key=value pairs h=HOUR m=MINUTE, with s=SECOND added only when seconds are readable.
h=11 m=32
